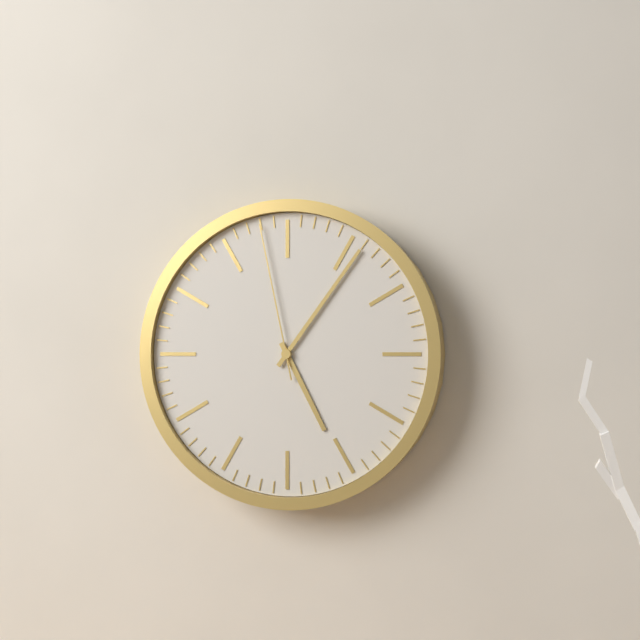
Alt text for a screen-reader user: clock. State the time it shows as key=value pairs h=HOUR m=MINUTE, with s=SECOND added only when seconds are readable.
h=5 m=6 s=58
